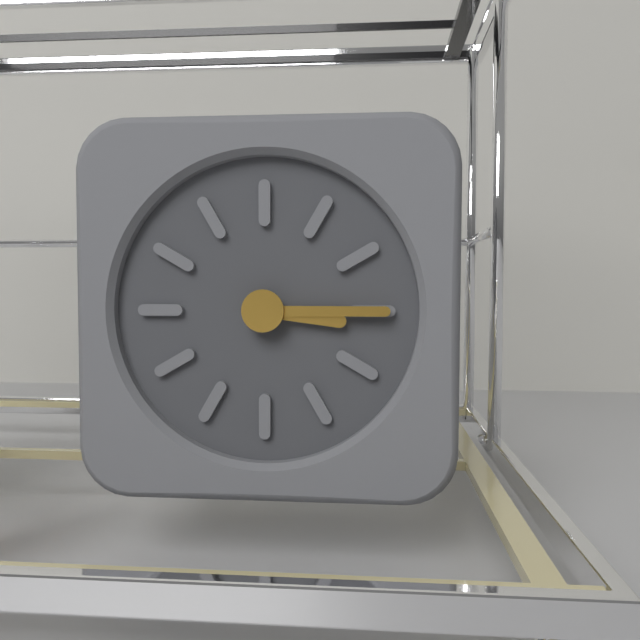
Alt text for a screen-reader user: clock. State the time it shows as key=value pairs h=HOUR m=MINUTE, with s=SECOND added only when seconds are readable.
h=3 m=15
